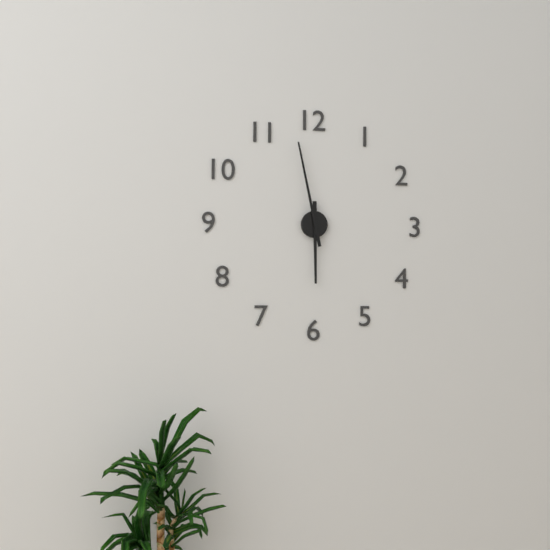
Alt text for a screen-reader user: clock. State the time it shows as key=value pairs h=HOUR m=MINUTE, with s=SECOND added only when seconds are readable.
h=5 m=58
